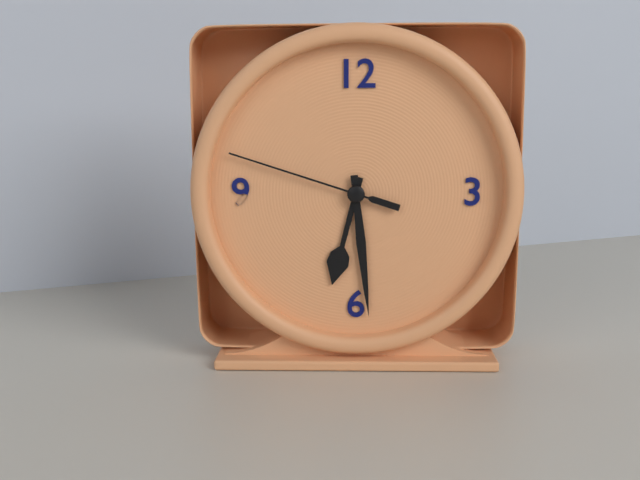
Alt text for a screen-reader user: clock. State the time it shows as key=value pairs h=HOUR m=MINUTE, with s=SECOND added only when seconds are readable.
h=6 m=29 s=48
